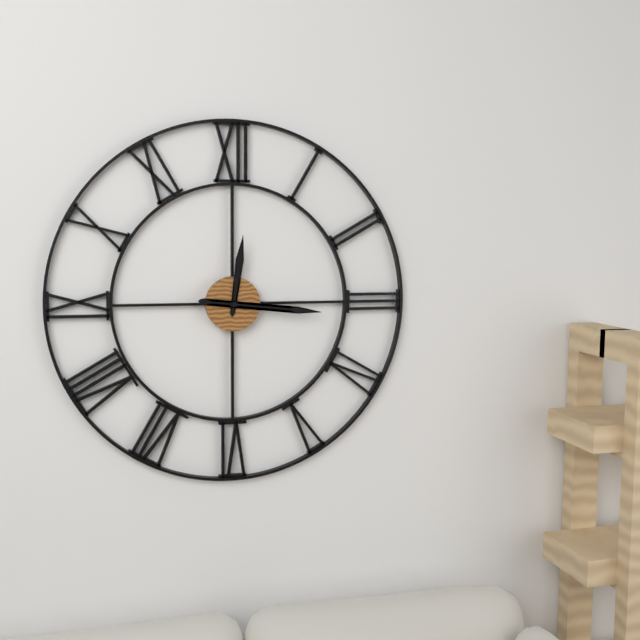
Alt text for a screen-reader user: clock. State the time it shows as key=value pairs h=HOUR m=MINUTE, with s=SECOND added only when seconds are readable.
h=12 m=16
